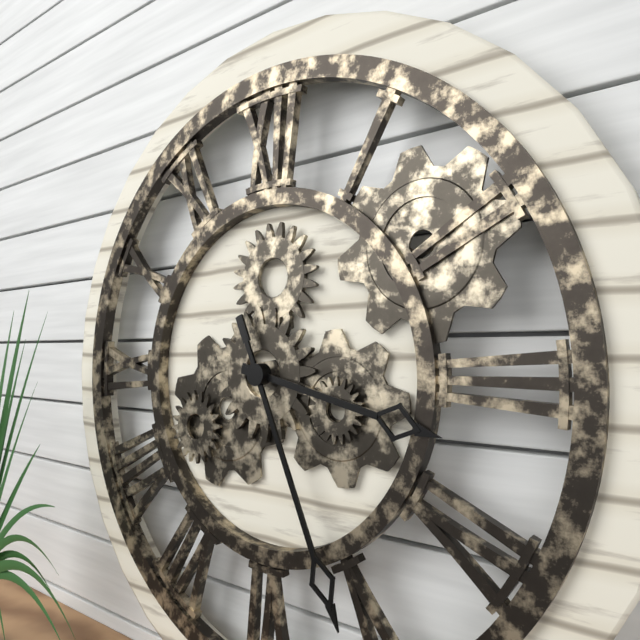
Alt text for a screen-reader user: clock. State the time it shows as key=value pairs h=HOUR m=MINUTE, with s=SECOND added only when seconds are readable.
h=3 m=26
